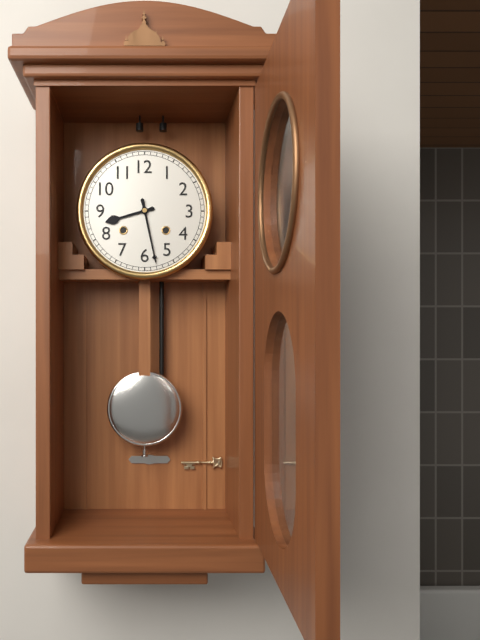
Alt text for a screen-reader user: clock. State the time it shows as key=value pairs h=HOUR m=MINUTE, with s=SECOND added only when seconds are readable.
h=8 m=28
